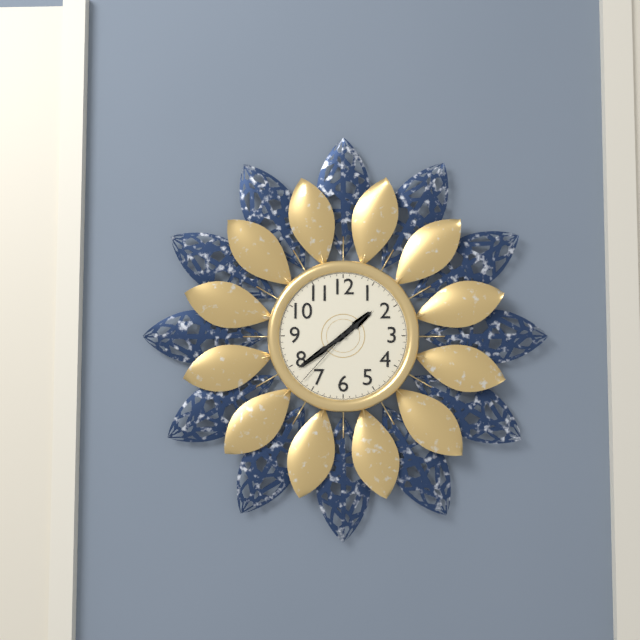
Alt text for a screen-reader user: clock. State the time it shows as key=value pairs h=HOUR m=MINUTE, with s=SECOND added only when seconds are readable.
h=1 m=39 s=37
